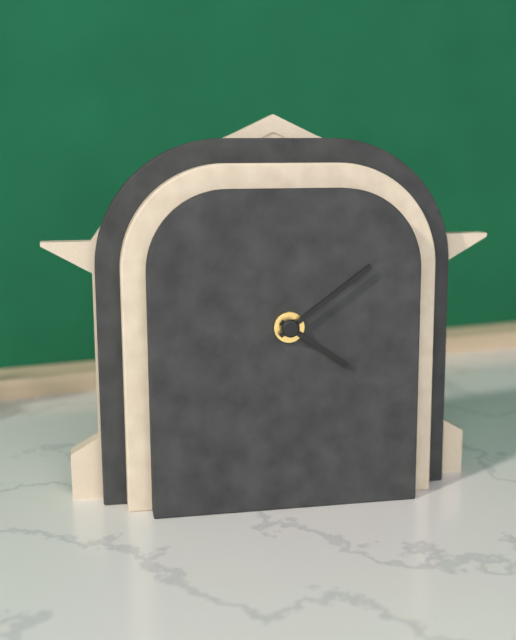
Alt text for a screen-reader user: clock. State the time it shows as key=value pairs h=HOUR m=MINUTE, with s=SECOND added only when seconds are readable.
h=4 m=9
